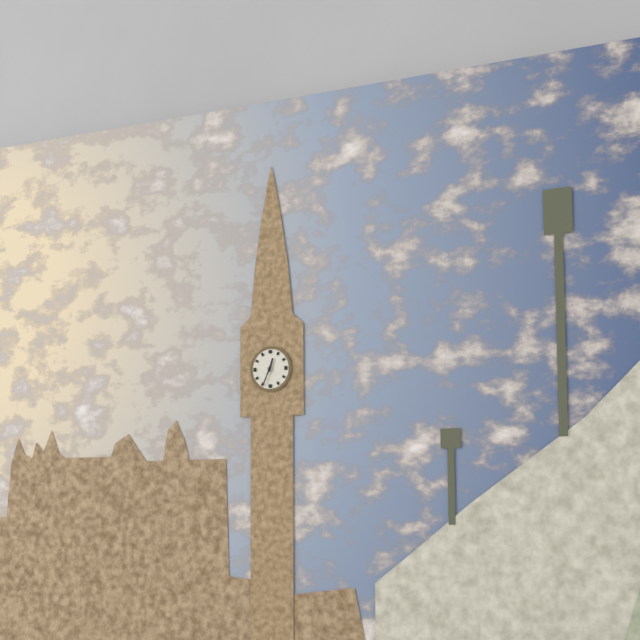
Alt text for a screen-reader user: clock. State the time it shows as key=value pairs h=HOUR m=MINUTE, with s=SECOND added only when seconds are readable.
h=12 m=34
